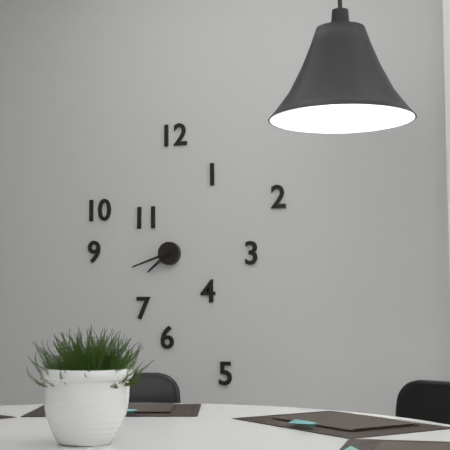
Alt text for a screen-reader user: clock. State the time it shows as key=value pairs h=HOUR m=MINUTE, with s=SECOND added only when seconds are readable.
h=7 m=42
